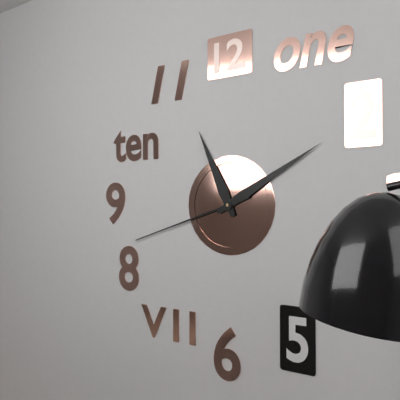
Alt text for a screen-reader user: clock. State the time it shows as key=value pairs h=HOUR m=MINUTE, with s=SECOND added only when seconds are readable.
h=11 m=10 s=42
